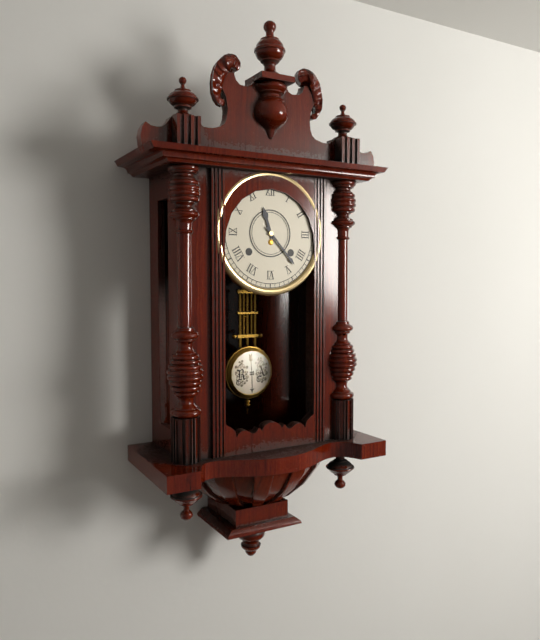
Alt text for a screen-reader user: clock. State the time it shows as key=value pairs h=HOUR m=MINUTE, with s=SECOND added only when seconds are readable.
h=11 m=23
